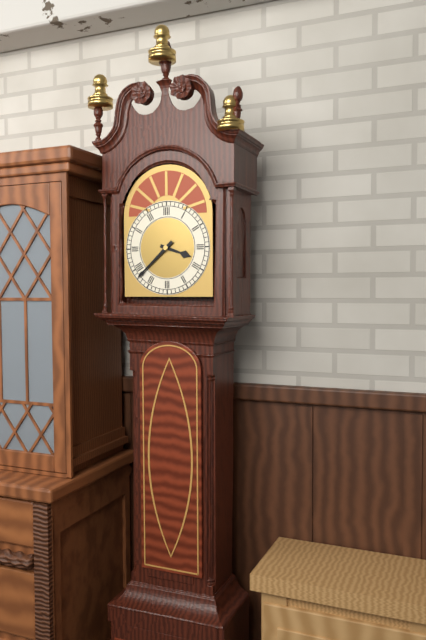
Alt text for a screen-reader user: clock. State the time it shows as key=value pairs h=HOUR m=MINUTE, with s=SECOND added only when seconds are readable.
h=3 m=38
